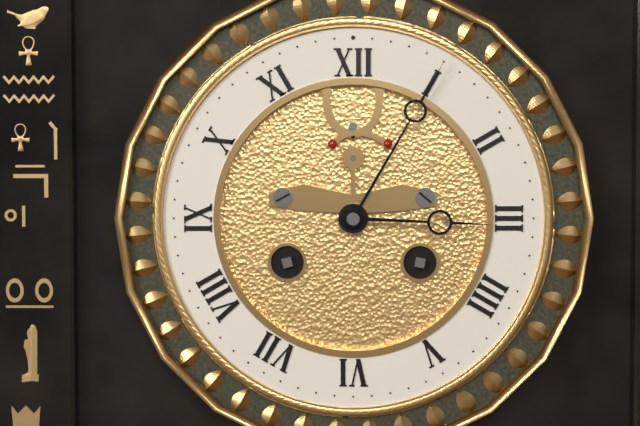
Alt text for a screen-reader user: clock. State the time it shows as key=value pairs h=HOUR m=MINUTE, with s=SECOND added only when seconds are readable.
h=3 m=5
